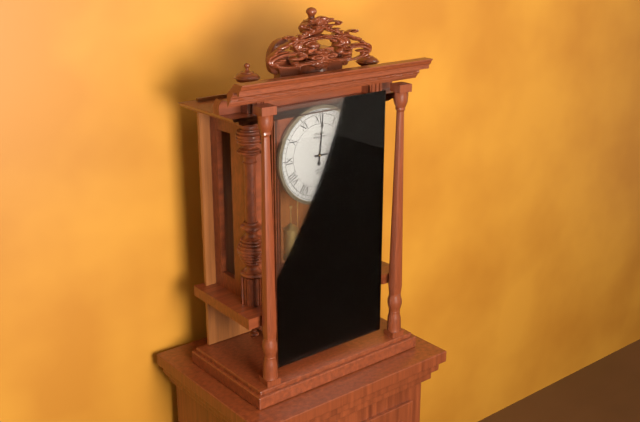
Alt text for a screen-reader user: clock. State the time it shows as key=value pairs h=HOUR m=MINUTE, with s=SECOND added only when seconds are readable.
h=3 m=1
